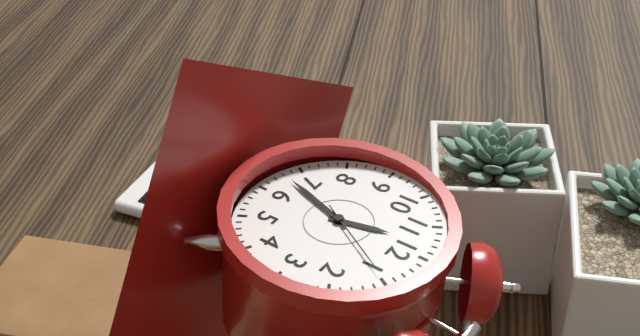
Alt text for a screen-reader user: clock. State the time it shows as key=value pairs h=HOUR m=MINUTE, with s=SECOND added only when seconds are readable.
h=11 m=33 s=5
